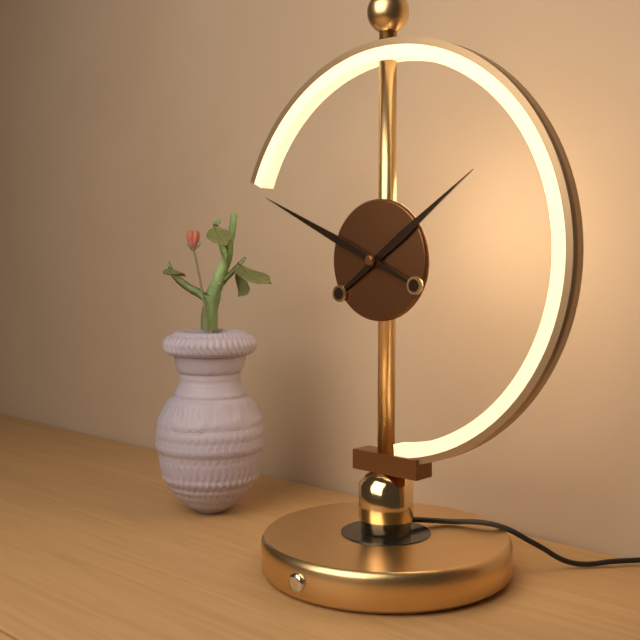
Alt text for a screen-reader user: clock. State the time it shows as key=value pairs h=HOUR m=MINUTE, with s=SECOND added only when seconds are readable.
h=1 m=49
